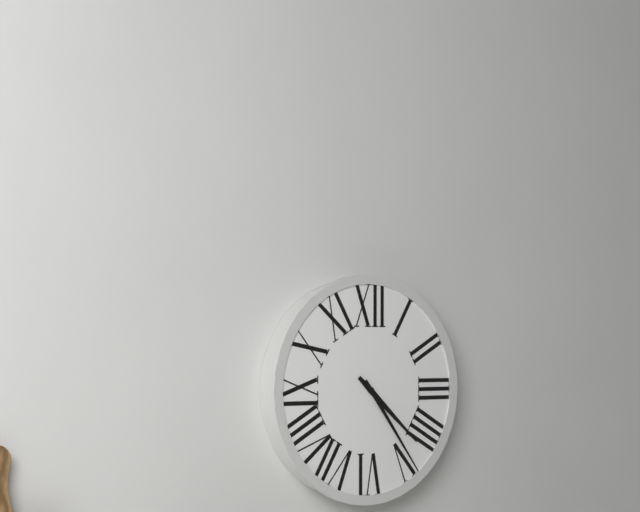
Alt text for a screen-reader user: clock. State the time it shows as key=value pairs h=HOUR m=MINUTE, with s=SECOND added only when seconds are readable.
h=4 m=24
